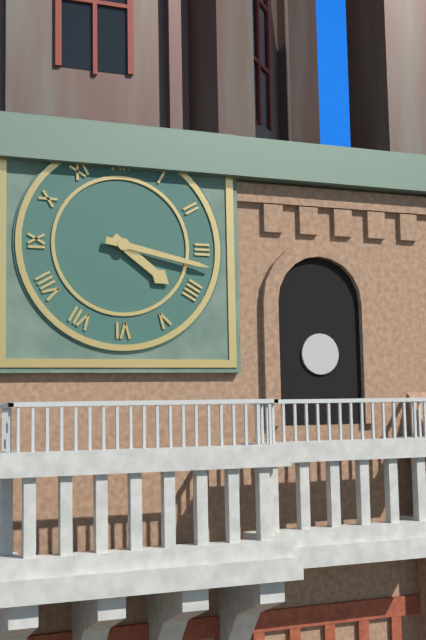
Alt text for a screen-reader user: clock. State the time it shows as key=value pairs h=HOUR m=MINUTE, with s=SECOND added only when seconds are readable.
h=4 m=17
